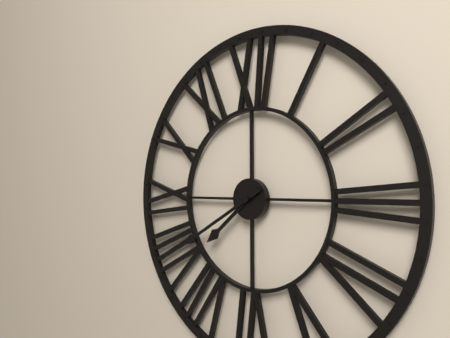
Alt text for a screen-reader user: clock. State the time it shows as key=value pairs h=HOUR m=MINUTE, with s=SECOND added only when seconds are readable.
h=7 m=40
